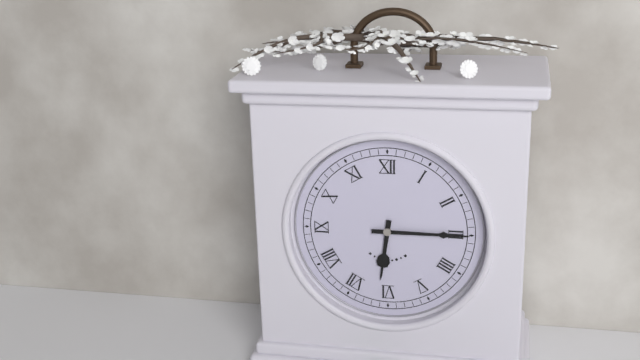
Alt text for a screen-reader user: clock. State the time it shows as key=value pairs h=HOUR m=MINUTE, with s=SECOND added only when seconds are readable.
h=6 m=15
